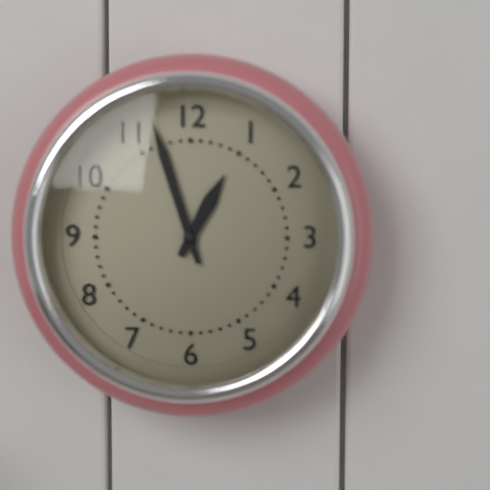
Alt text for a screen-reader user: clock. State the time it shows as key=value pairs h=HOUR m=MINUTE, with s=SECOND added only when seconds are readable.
h=12 m=57
